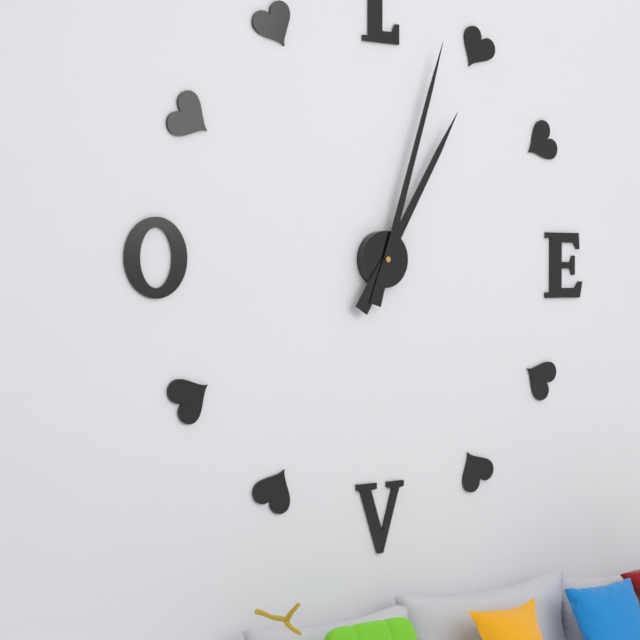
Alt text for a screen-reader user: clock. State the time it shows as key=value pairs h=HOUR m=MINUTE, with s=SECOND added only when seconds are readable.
h=1 m=3
